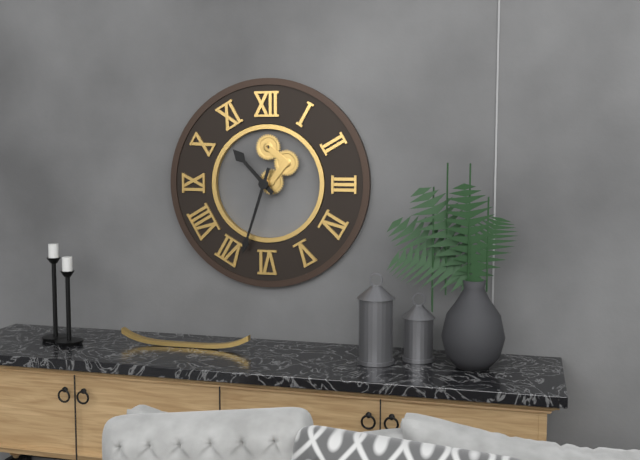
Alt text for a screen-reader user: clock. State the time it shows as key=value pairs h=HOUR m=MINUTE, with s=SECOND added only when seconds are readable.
h=10 m=33
